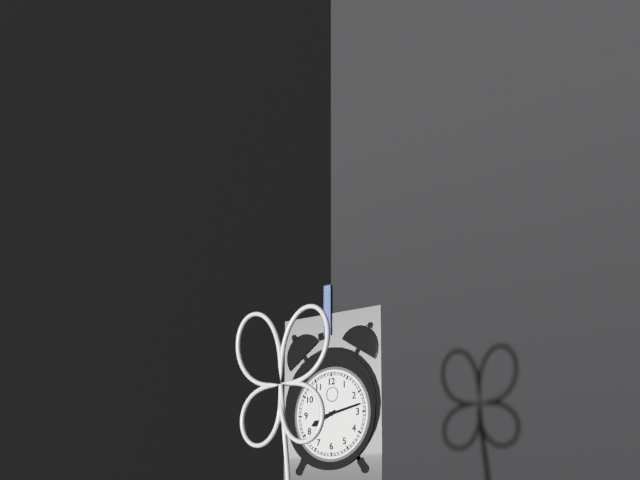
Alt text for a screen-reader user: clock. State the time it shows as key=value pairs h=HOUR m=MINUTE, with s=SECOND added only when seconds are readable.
h=8 m=13
